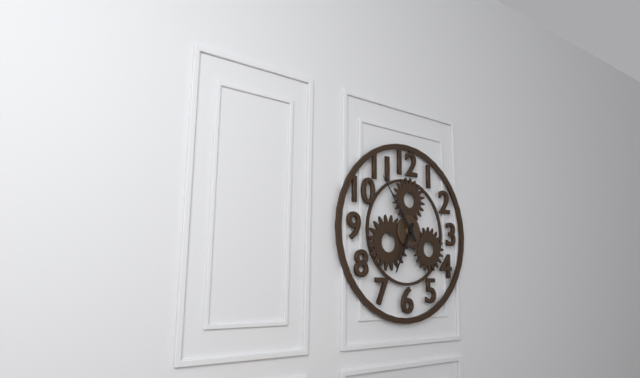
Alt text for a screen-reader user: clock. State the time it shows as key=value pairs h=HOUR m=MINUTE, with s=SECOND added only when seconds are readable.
h=6 m=54
